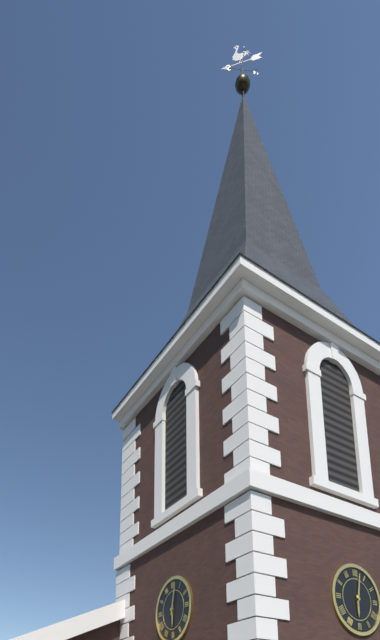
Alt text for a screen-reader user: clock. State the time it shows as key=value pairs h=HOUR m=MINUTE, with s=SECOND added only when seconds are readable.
h=6 m=2
